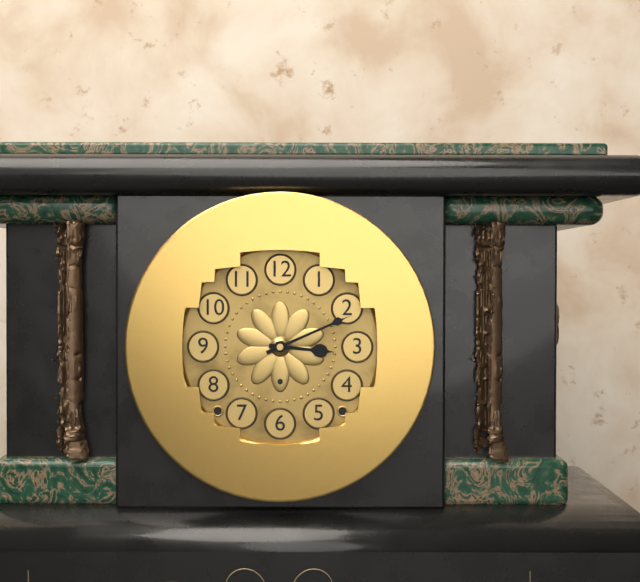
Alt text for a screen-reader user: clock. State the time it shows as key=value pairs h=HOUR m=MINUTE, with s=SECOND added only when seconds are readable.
h=3 m=11
